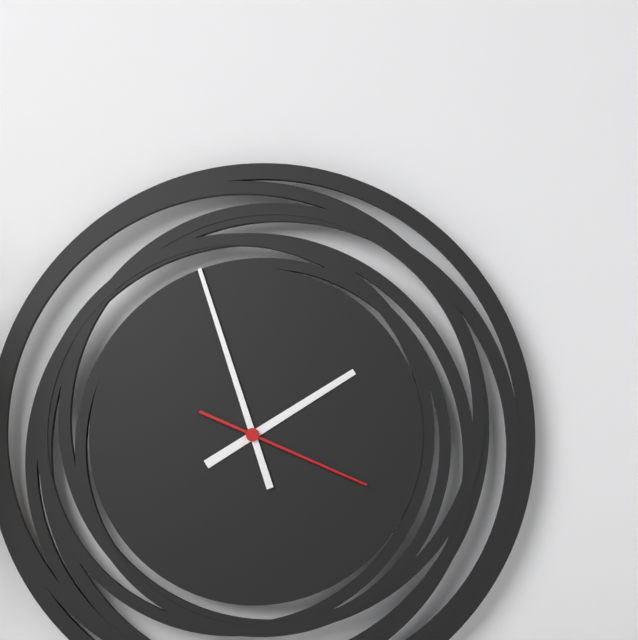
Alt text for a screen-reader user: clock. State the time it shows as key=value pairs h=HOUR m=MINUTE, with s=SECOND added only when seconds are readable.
h=1 m=57 s=19
